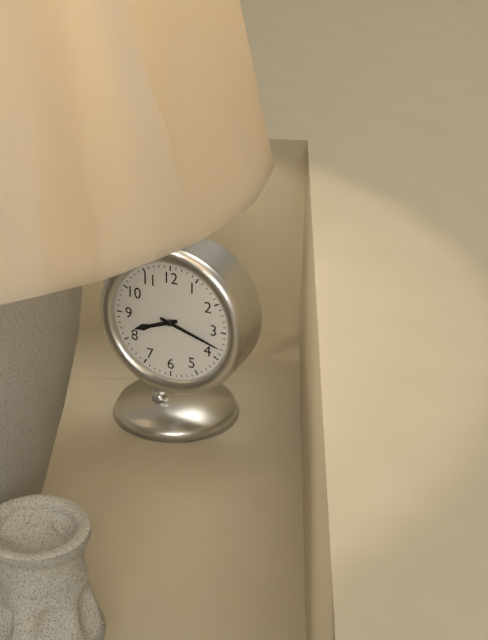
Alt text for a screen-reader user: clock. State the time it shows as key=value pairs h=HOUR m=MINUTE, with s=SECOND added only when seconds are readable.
h=8 m=18
